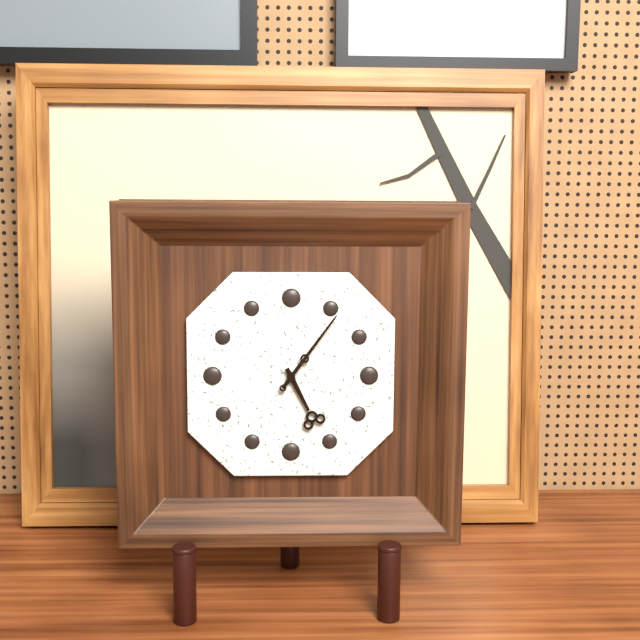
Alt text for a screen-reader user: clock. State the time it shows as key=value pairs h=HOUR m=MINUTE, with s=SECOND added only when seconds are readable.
h=5 m=6
